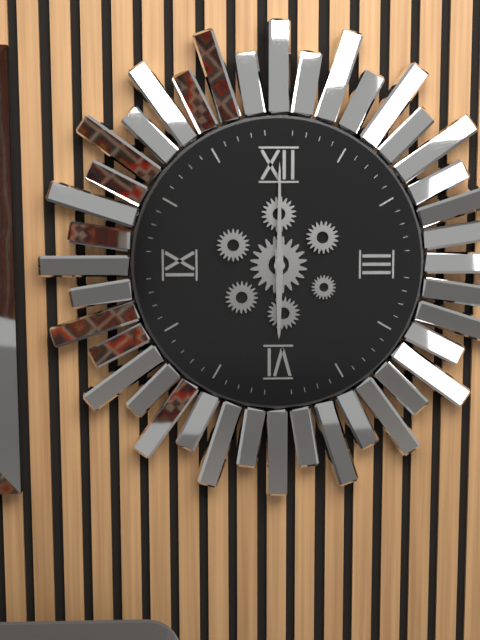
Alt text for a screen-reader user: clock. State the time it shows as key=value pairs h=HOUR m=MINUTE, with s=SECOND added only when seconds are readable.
h=6 m=0
